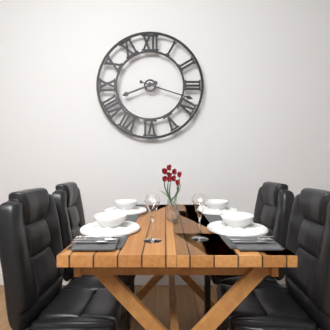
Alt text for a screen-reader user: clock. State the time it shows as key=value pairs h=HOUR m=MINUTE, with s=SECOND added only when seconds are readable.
h=8 m=18
